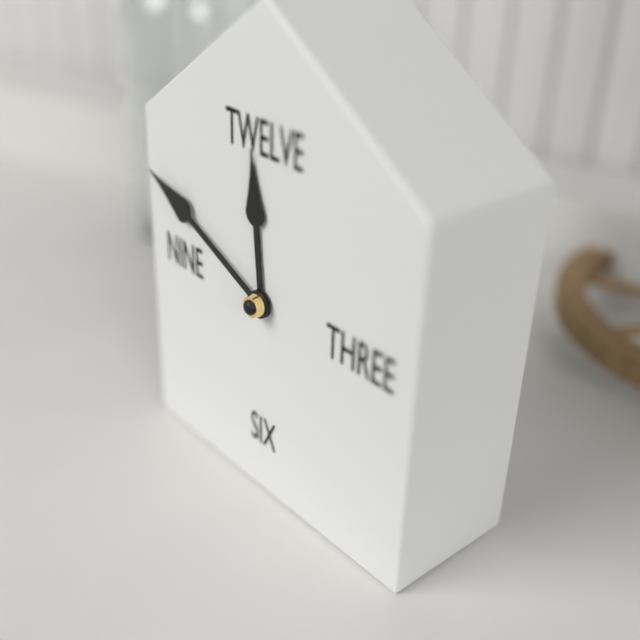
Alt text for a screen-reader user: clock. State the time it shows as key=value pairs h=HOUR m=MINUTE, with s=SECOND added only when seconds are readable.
h=11 m=49
